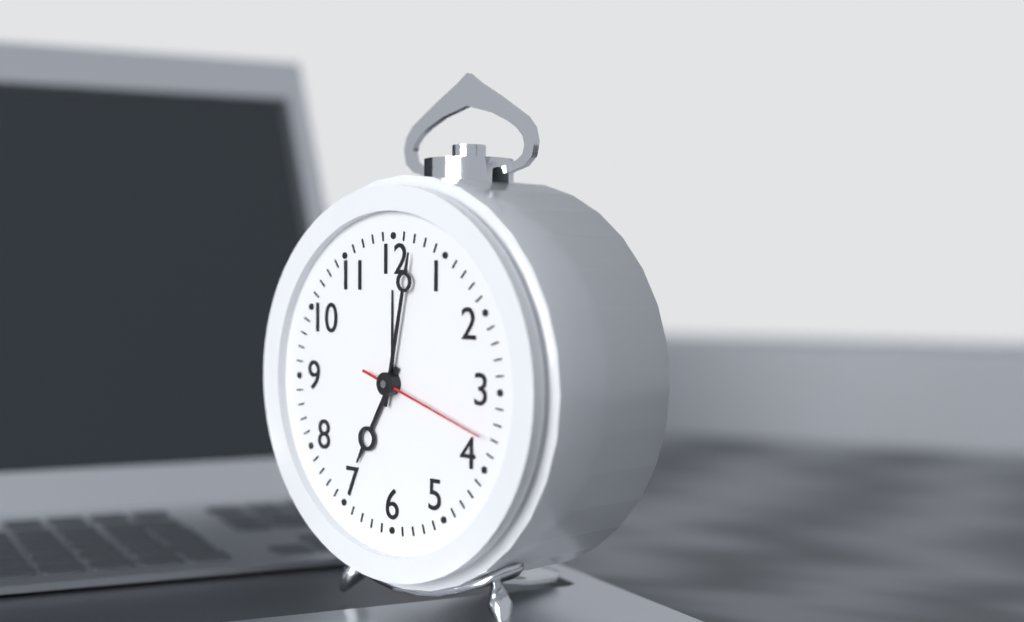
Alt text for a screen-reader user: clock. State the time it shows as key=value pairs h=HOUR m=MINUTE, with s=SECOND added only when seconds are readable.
h=7 m=2 s=18
